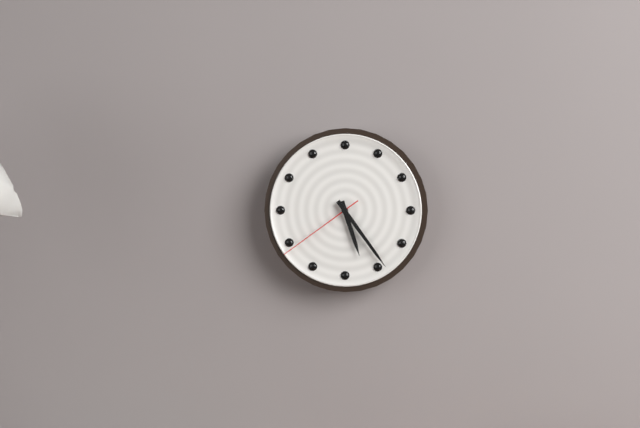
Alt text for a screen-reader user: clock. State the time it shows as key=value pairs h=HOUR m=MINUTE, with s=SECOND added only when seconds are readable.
h=5 m=24 s=39
